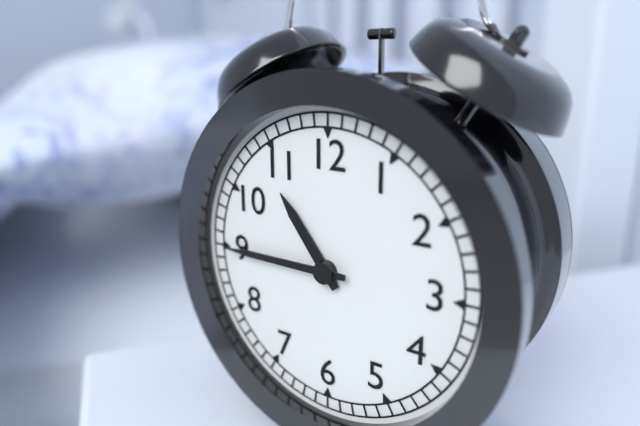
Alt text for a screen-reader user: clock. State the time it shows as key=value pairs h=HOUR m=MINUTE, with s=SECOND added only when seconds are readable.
h=10 m=45
